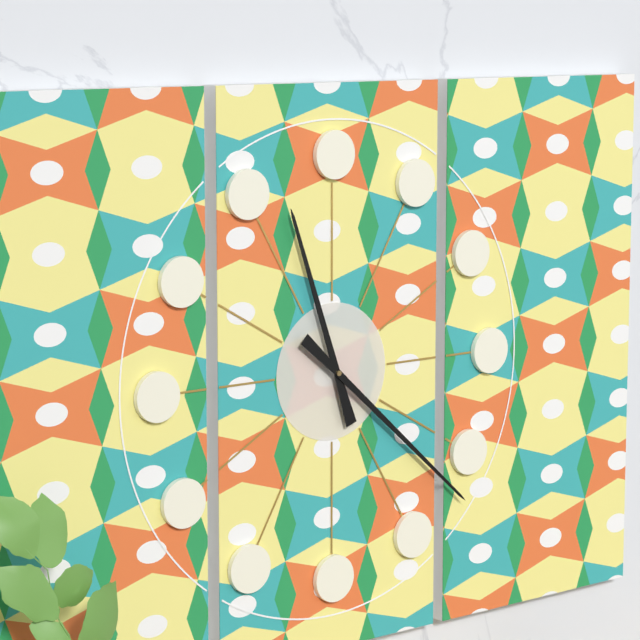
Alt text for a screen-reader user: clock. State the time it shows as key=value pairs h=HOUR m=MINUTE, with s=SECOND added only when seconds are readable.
h=11 m=22
